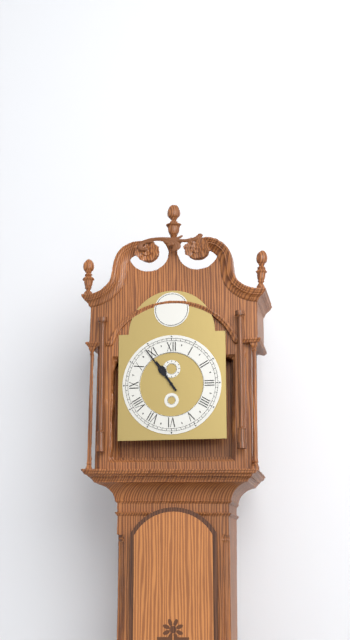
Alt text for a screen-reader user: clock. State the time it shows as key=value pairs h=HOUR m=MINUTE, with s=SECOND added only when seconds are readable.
h=10 m=54
